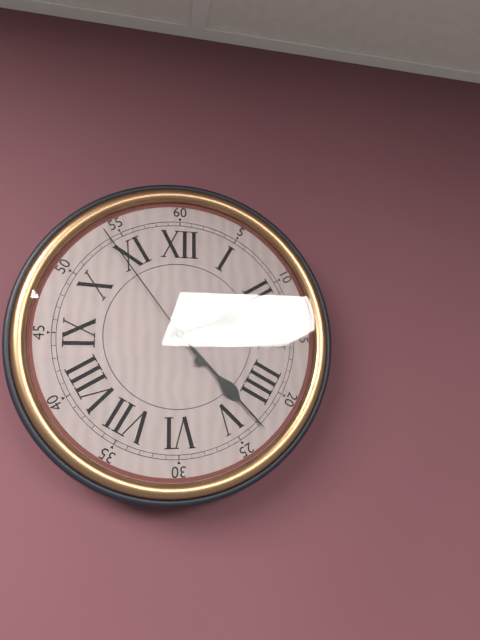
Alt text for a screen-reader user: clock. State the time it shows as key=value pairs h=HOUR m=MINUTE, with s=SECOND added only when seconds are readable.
h=2 m=23 s=54
